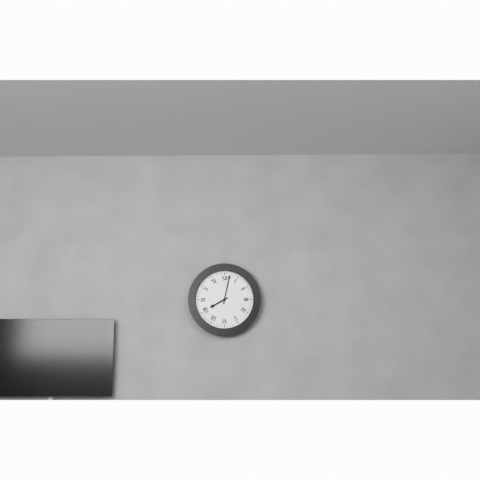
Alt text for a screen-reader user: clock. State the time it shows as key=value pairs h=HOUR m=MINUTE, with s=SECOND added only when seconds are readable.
h=8 m=2
